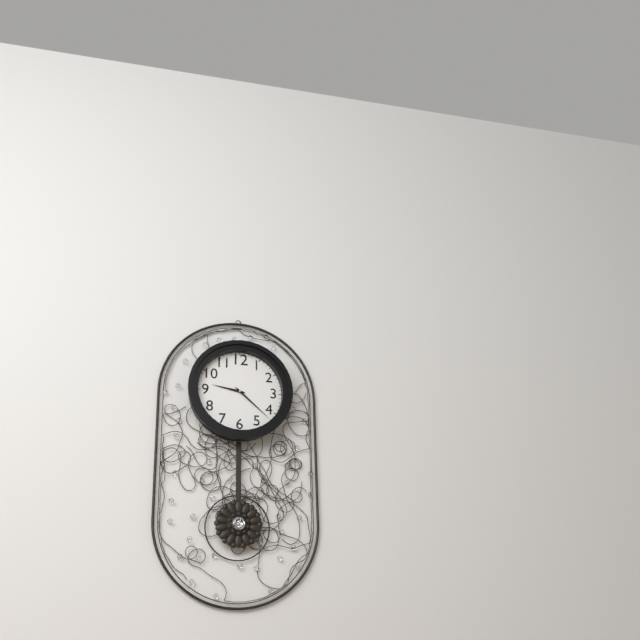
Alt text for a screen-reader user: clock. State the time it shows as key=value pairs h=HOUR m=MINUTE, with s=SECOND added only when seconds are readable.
h=9 m=22
